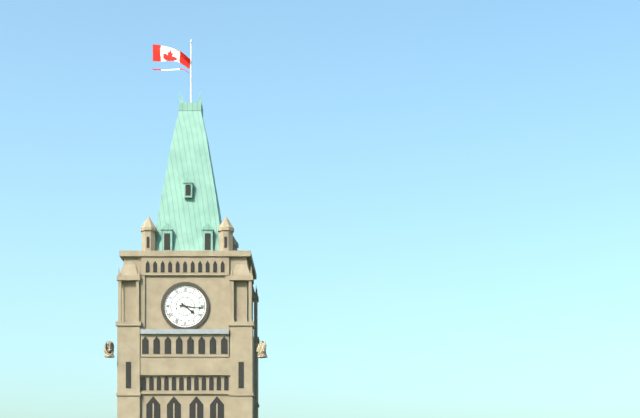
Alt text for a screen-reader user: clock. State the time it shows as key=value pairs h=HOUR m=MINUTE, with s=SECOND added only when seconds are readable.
h=4 m=16
